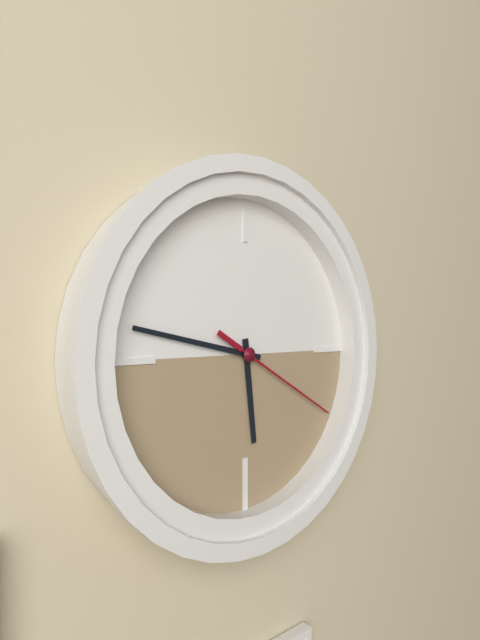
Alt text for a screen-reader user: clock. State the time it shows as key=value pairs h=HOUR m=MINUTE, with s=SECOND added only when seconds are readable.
h=5 m=47 s=20
